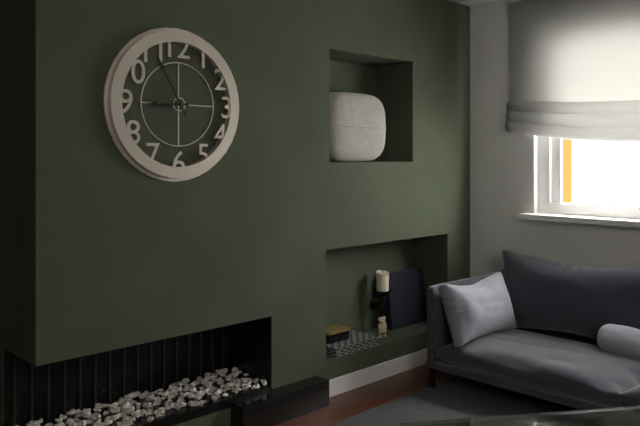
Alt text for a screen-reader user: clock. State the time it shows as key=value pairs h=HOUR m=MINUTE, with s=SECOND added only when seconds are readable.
h=8 m=55
